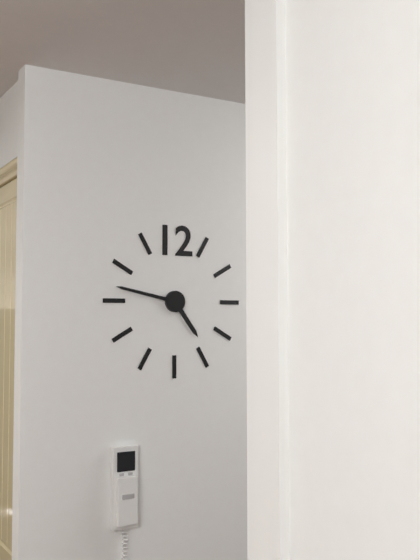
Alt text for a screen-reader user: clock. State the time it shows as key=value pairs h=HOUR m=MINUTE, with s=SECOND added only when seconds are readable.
h=4 m=47
